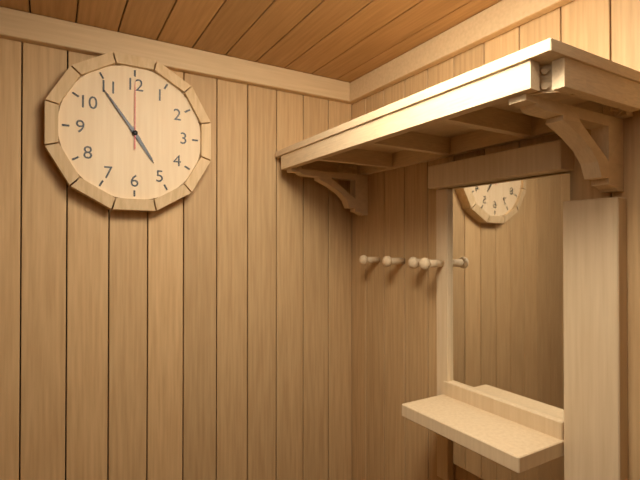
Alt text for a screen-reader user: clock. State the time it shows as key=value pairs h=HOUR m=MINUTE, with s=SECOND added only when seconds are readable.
h=4 m=54 s=0
